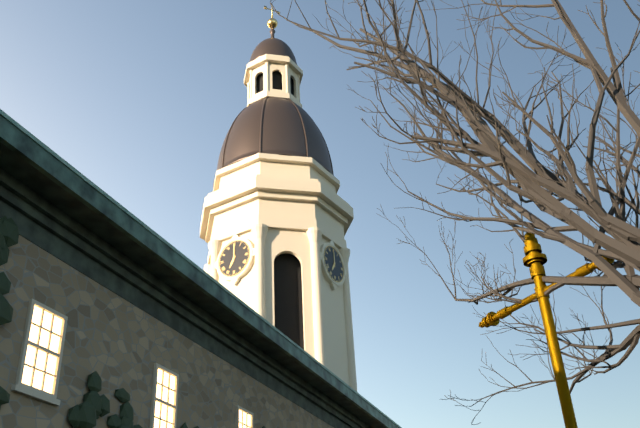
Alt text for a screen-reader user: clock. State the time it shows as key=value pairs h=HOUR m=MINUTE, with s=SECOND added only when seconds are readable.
h=7 m=0
